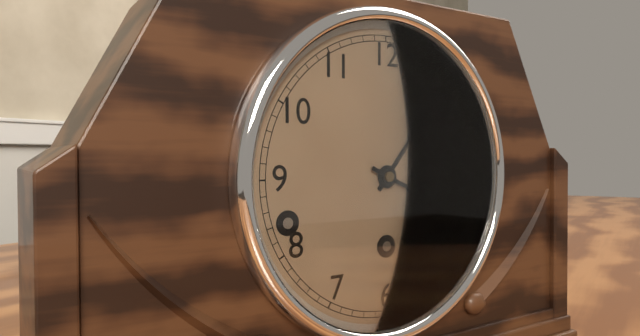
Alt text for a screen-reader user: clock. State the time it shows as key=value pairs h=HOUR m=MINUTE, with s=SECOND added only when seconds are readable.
h=1 m=19
